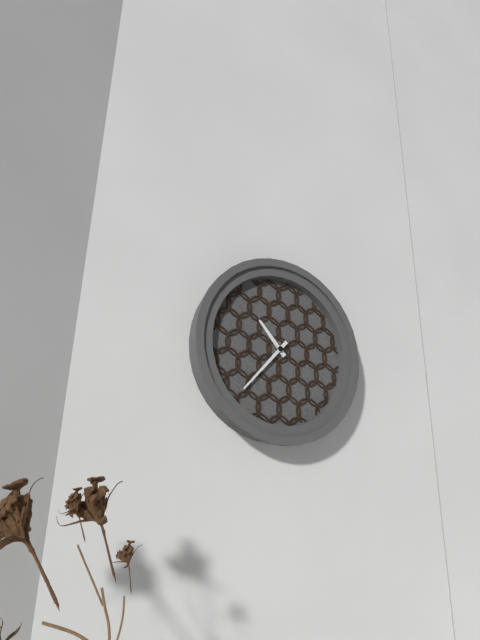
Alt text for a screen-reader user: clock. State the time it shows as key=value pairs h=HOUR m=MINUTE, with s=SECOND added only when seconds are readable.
h=10 m=37
